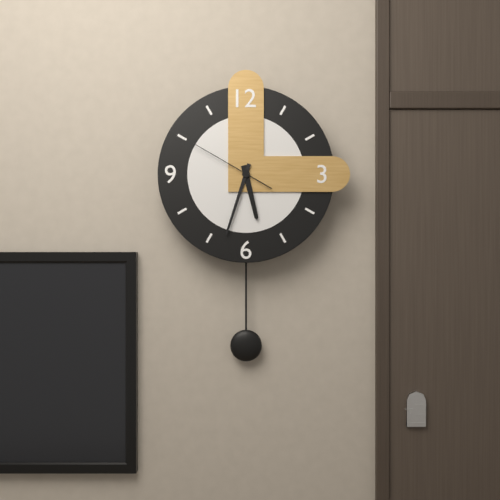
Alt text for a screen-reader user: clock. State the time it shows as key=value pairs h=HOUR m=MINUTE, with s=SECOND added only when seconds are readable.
h=5 m=33 s=50
